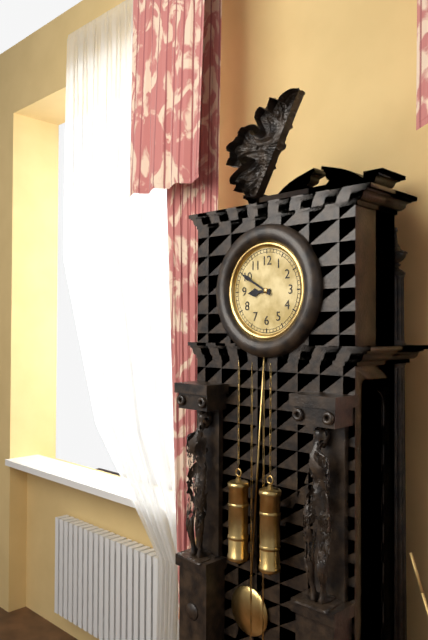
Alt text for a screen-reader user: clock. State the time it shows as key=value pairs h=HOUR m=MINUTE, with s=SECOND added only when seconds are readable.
h=8 m=50
